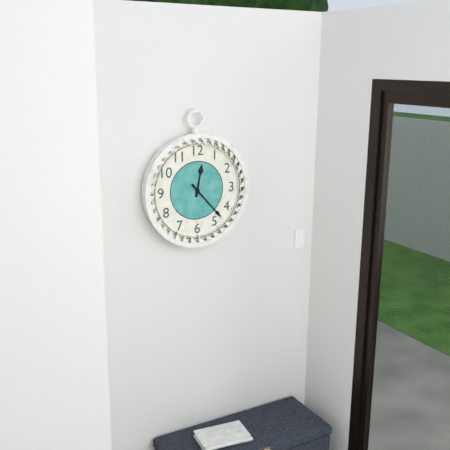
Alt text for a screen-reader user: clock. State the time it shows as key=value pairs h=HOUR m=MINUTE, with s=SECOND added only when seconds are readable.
h=12 m=23
